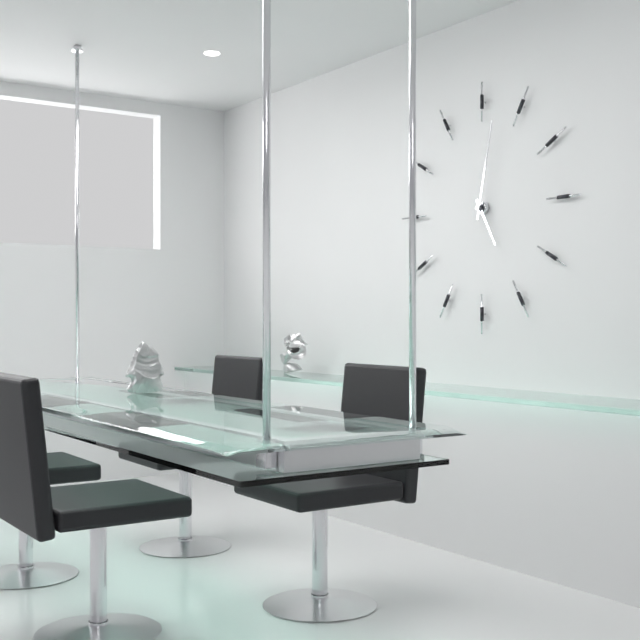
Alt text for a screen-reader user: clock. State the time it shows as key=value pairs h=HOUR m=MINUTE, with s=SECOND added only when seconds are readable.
h=5 m=2
